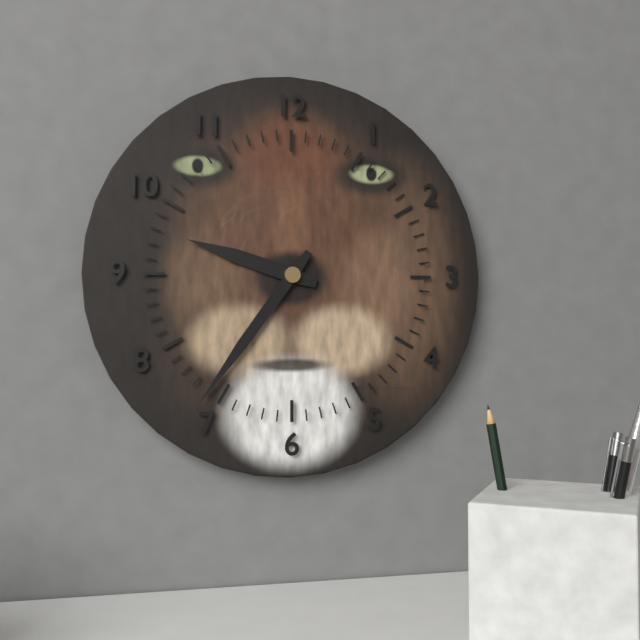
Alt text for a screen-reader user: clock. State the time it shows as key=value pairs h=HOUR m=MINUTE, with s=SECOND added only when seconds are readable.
h=9 m=36
